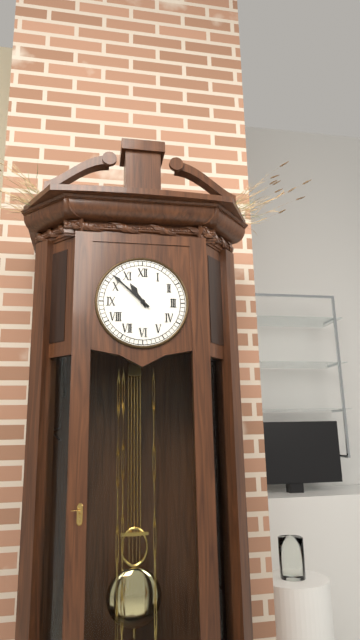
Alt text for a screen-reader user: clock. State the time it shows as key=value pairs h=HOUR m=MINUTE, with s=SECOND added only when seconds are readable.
h=10 m=52
